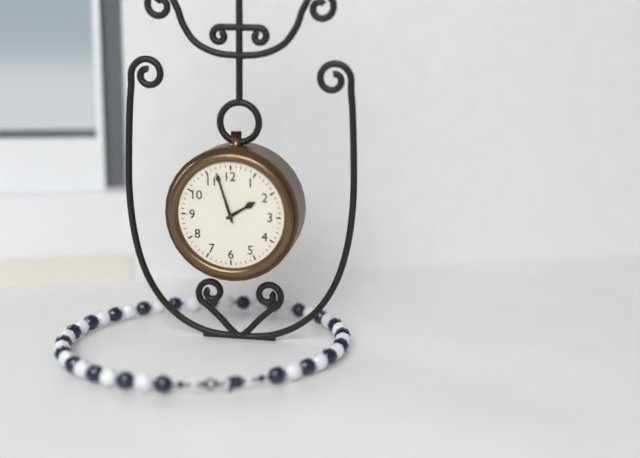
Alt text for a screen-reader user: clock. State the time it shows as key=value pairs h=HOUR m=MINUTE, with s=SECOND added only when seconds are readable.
h=1 m=57
